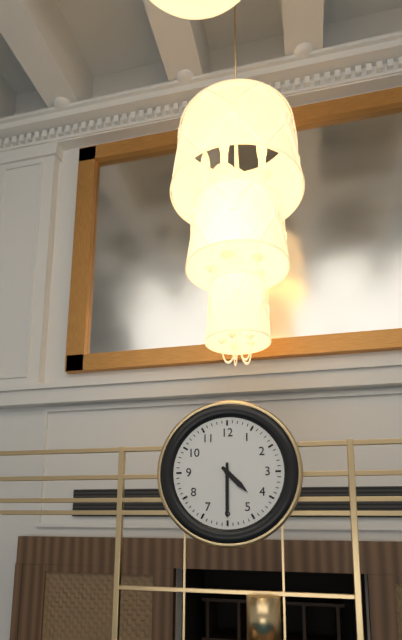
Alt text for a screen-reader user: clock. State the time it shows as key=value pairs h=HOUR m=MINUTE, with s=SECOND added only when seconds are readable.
h=4 m=30
